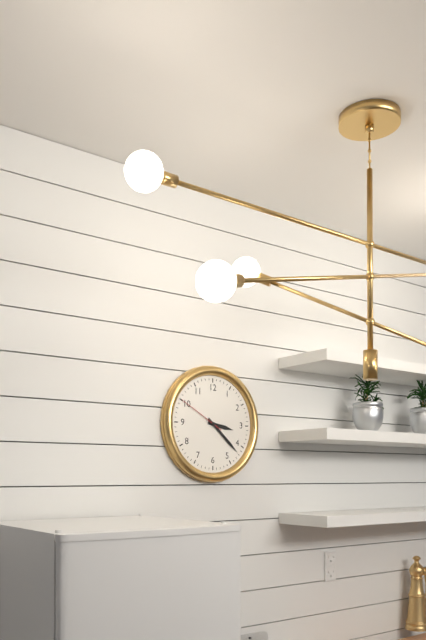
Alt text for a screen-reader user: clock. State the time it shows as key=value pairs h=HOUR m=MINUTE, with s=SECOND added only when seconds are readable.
h=3 m=22
